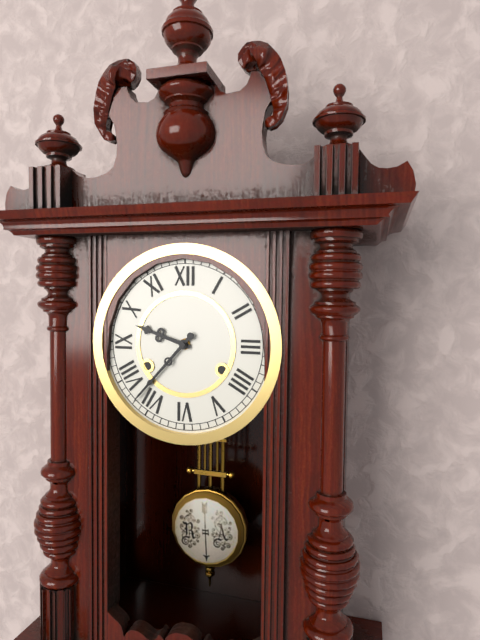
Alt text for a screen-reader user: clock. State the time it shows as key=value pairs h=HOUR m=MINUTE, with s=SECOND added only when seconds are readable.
h=9 m=37
